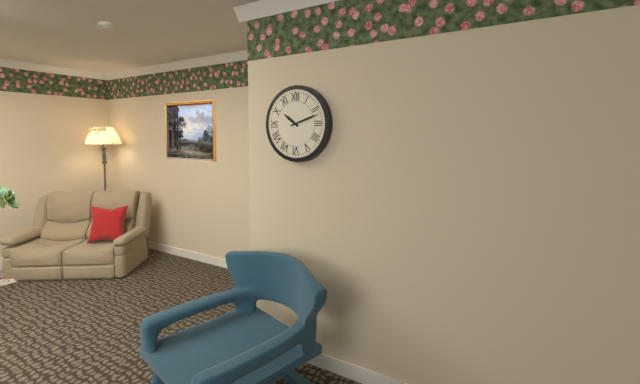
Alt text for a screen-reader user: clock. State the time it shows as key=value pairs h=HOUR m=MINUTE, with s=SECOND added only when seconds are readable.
h=10 m=12
